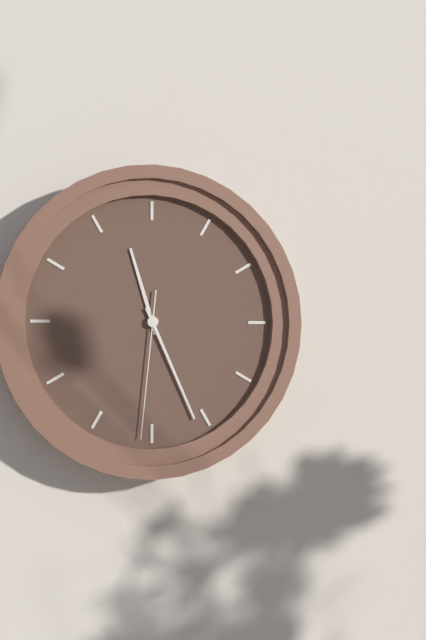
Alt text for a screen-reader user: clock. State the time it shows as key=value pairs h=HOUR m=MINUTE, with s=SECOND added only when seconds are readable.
h=11 m=26 s=31
